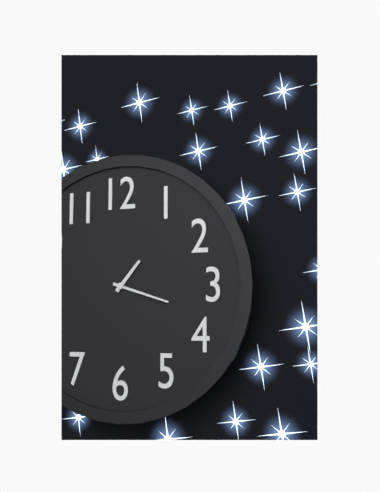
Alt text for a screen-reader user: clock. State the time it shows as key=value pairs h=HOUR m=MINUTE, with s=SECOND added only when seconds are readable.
h=1 m=18
